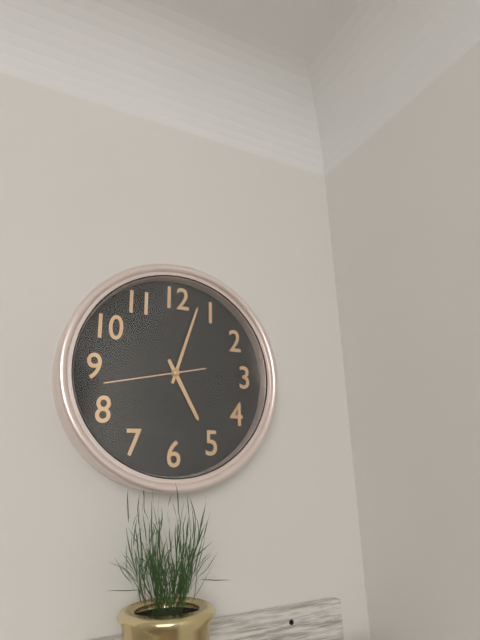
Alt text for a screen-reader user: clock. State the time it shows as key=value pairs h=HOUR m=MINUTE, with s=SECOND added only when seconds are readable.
h=5 m=3 s=43
